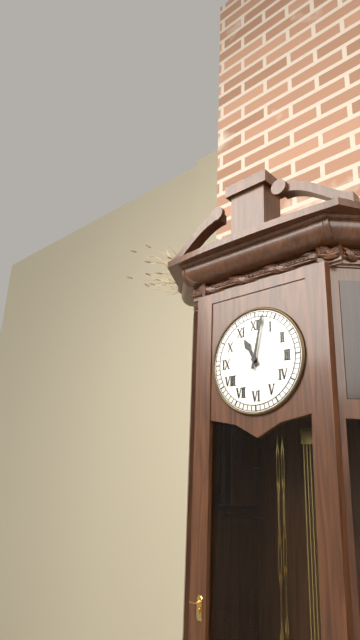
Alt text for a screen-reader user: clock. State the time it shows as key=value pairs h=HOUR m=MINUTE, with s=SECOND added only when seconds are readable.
h=11 m=2
